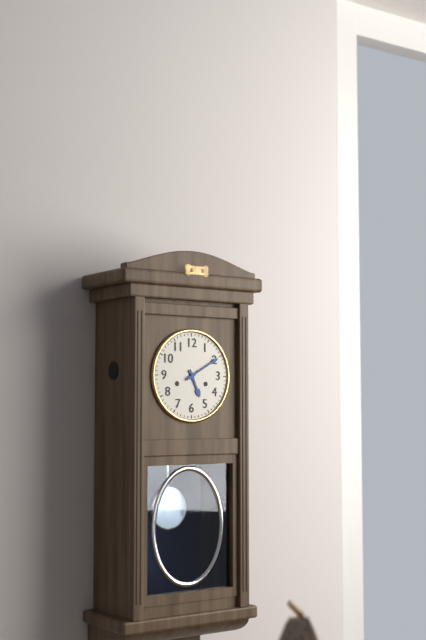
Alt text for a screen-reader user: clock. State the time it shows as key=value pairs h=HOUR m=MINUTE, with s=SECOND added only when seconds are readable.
h=5 m=10
